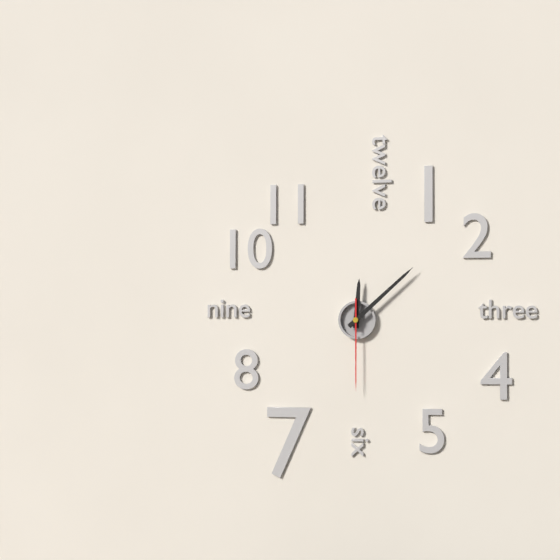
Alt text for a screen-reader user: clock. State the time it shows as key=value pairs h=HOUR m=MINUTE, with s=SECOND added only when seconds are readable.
h=12 m=8 s=30
